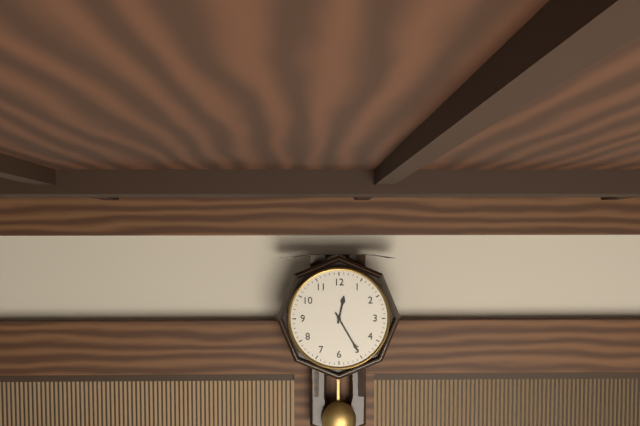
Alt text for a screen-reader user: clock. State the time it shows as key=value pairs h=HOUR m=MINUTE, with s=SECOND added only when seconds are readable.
h=12 m=25
